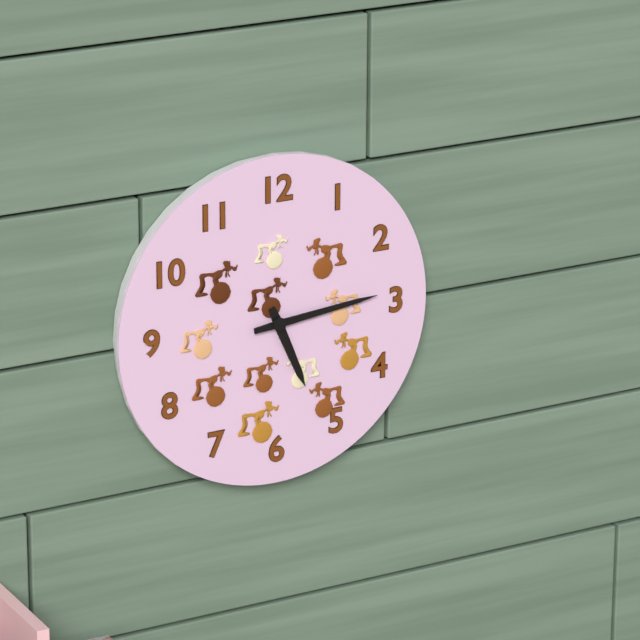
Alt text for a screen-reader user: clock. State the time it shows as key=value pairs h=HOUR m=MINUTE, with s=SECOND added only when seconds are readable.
h=5 m=14
